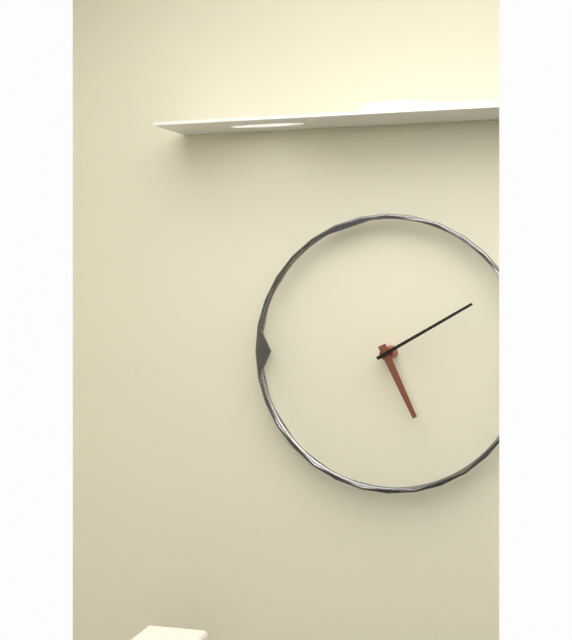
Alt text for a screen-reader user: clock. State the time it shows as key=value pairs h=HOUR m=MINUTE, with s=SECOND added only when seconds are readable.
h=5 m=10
